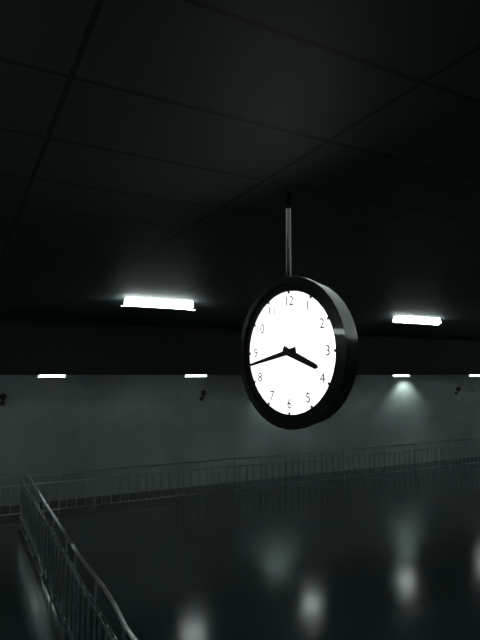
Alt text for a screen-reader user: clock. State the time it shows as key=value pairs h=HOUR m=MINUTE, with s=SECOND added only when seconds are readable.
h=3 m=43
